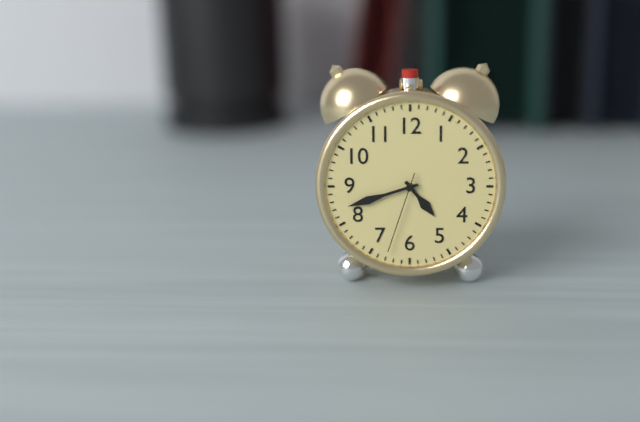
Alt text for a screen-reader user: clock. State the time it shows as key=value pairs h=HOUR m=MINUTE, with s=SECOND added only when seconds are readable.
h=4 m=42 s=33
